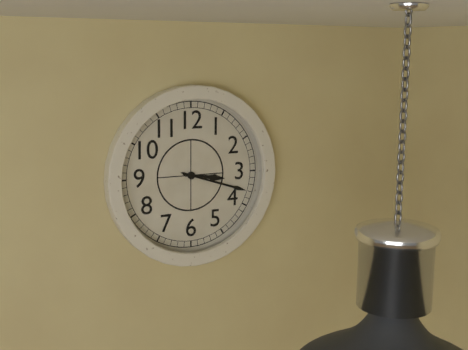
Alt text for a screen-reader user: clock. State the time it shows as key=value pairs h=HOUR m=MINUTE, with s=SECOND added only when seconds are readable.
h=3 m=18
